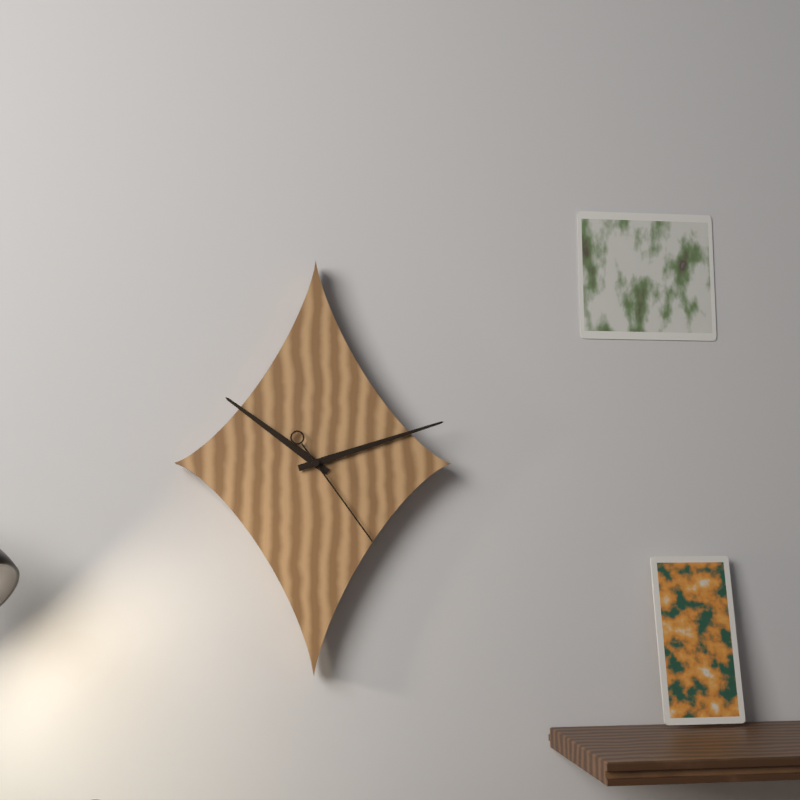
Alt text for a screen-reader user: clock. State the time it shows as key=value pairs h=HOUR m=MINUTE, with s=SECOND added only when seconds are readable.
h=10 m=12 s=24
